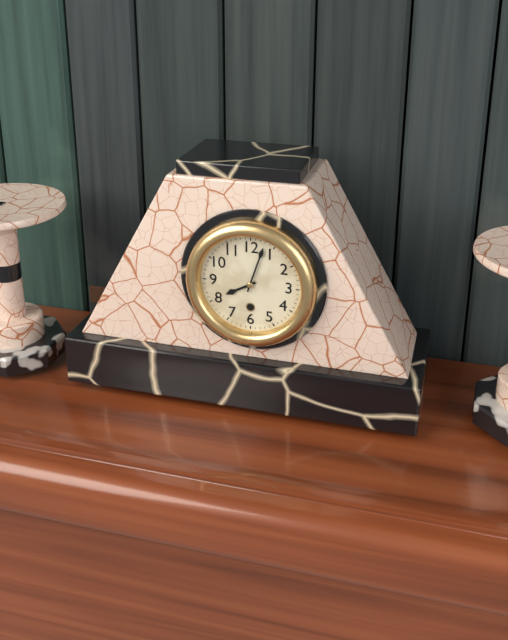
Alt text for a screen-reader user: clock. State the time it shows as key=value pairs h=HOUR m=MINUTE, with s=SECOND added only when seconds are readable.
h=8 m=3
